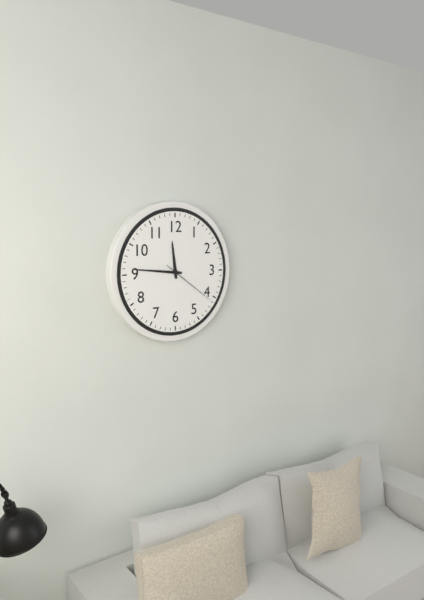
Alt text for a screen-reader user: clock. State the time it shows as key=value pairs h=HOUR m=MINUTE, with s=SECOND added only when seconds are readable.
h=11 m=46 s=21
